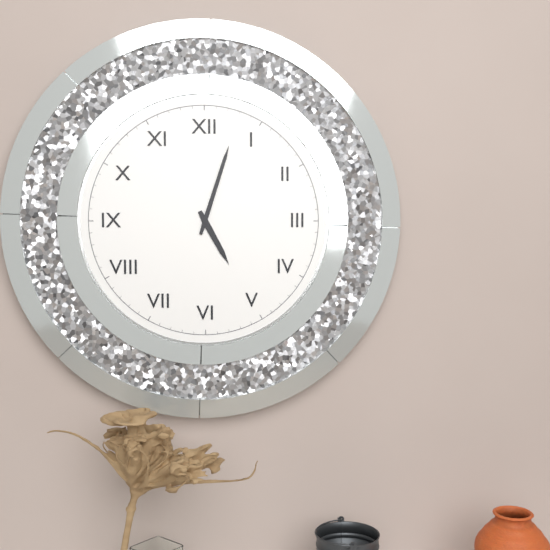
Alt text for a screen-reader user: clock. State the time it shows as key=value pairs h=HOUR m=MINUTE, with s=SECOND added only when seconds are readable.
h=5 m=3
